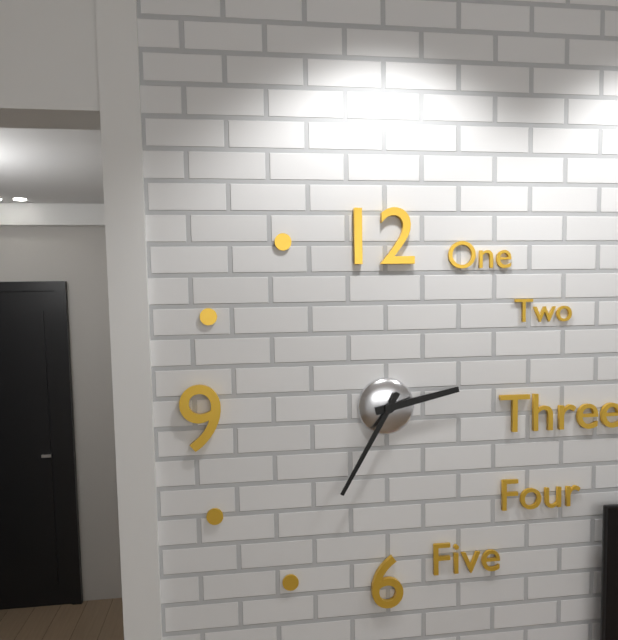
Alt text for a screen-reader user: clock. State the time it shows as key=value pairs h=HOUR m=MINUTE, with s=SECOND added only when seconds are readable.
h=2 m=35
